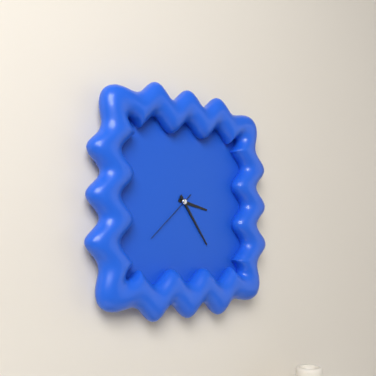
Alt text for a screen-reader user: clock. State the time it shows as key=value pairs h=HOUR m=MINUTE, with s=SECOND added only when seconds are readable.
h=3 m=24 s=38
